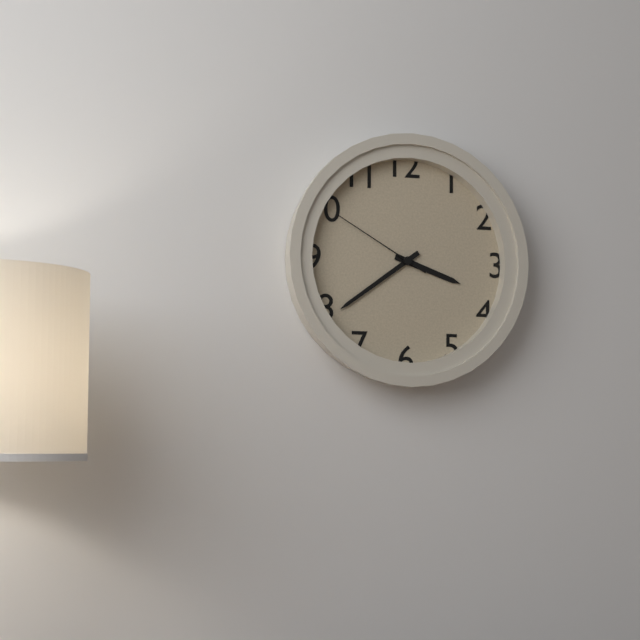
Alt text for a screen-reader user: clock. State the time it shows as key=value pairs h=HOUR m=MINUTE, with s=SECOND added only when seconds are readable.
h=3 m=39 s=50
